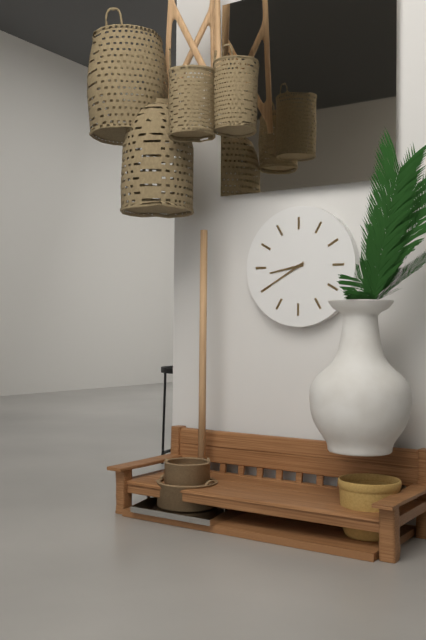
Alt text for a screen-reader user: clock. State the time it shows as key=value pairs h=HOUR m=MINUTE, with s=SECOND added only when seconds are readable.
h=8 m=40
